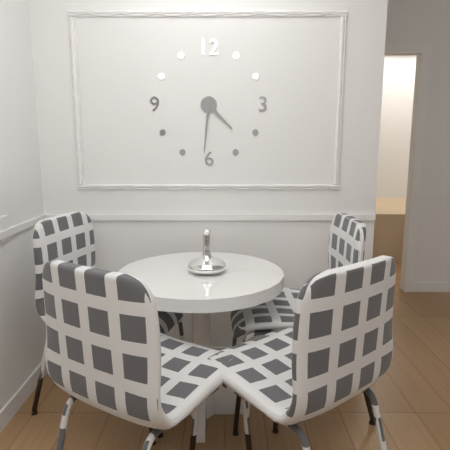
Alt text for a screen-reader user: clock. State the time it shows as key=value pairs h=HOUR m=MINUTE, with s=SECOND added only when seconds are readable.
h=4 m=31
